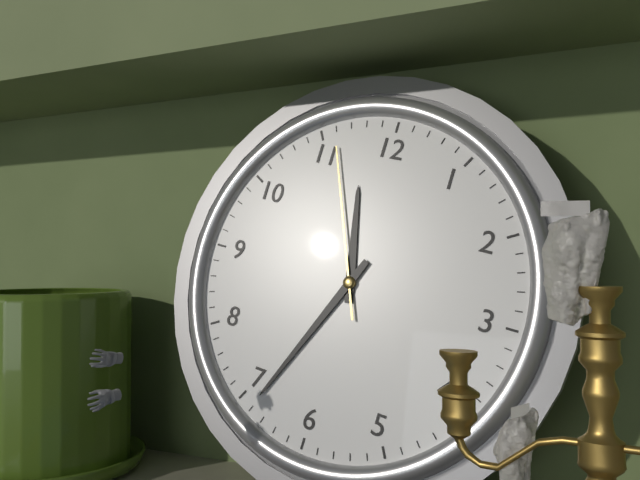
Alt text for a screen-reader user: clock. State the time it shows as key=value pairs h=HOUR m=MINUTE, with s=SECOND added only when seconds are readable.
h=11 m=34 s=56
